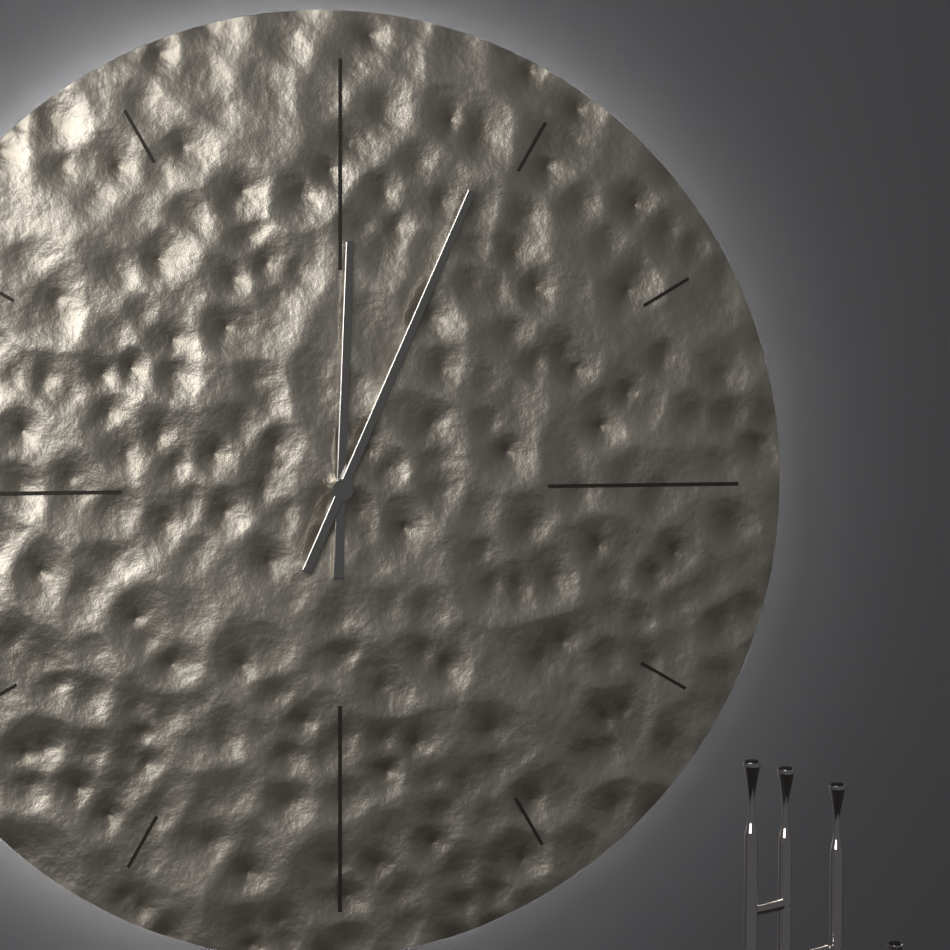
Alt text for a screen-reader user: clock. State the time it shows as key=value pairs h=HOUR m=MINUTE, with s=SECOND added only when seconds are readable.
h=12 m=4
